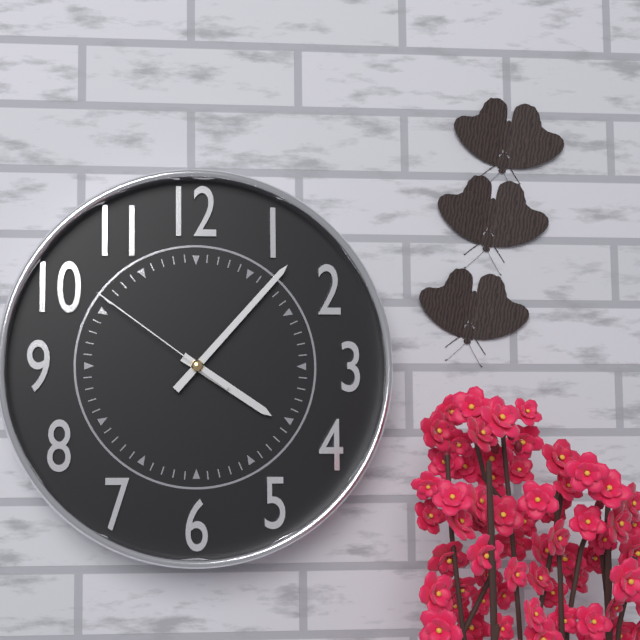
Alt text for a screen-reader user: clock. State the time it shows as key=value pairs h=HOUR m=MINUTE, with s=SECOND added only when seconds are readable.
h=4 m=7 s=51
